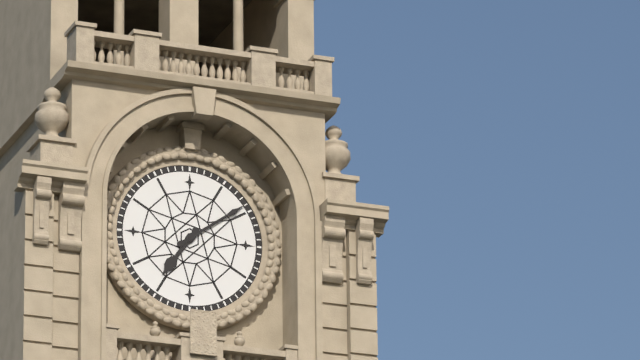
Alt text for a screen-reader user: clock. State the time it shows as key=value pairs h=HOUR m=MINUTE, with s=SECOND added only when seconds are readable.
h=7 m=9
